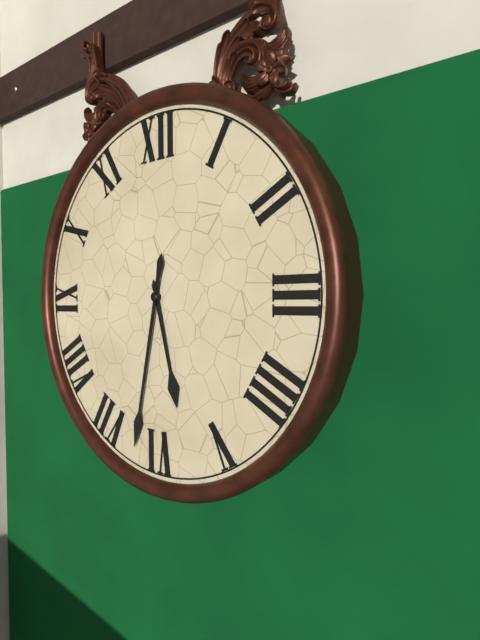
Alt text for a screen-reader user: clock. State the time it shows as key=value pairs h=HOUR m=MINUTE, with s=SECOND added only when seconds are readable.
h=5 m=32
